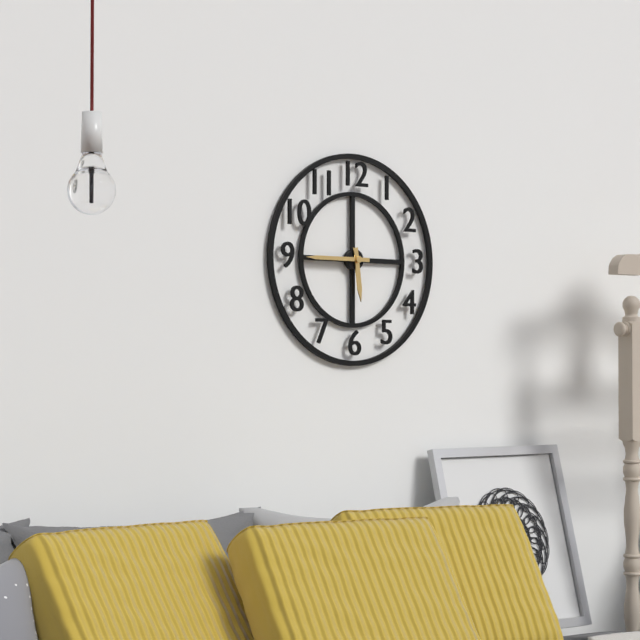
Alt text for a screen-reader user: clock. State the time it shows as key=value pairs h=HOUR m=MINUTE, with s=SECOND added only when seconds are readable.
h=5 m=45
